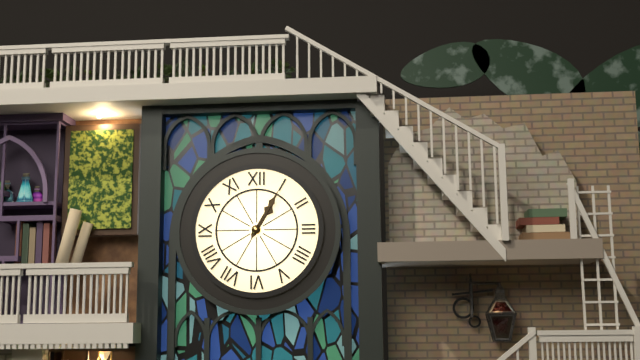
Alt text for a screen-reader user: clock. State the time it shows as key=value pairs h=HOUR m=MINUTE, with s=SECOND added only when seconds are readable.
h=1 m=5
